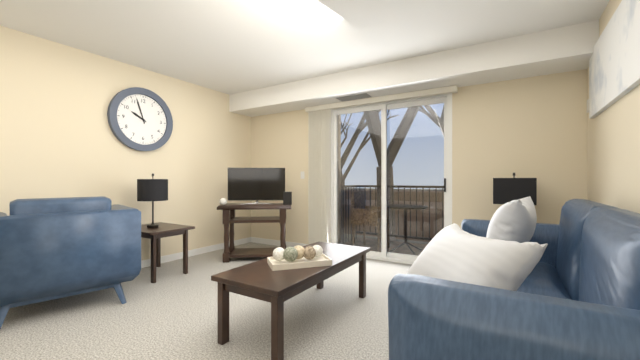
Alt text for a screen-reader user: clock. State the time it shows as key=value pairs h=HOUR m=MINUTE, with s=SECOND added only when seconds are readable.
h=9 m=57
